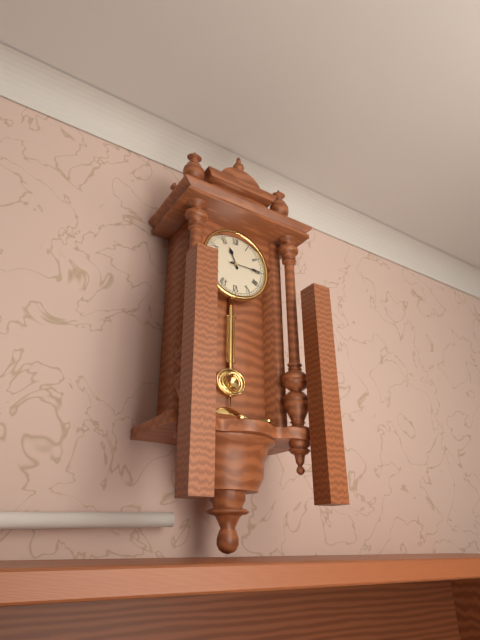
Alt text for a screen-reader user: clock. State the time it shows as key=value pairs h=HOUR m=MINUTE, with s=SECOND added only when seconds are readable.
h=11 m=15
